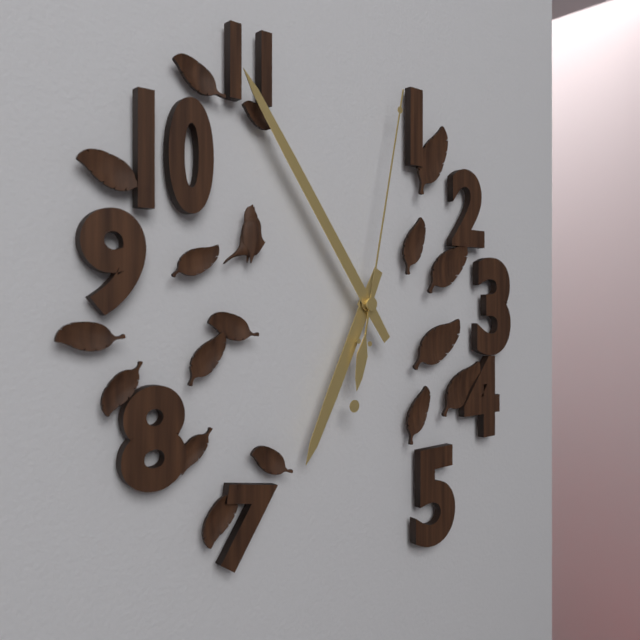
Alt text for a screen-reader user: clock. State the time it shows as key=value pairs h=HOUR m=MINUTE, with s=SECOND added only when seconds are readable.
h=6 m=54 s=2
